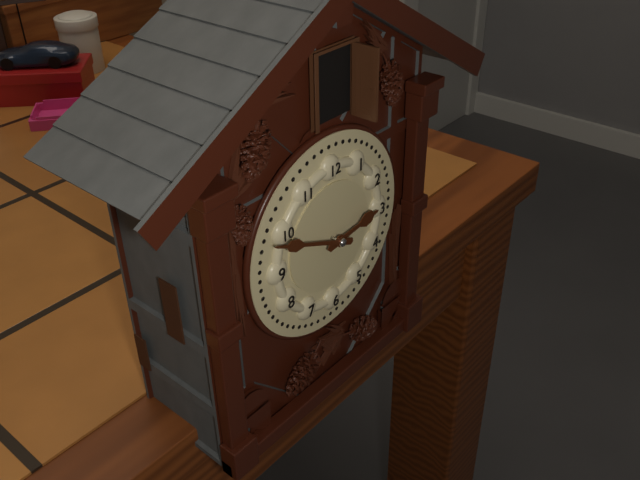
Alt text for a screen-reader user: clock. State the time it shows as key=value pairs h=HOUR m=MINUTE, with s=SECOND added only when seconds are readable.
h=2 m=49
